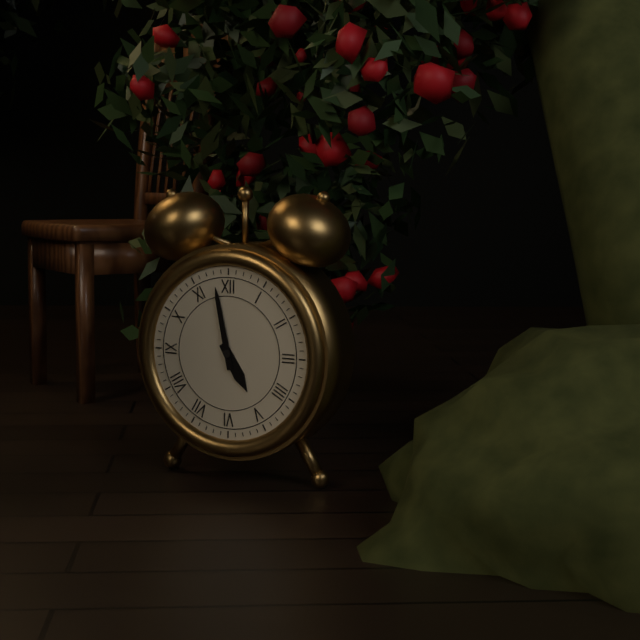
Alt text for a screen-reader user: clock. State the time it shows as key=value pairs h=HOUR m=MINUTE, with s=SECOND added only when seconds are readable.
h=4 m=58
